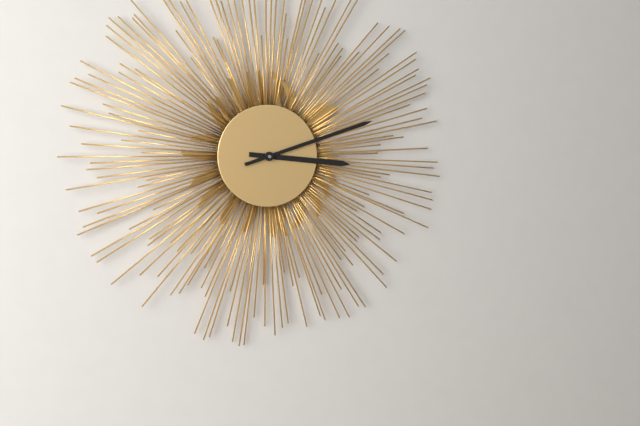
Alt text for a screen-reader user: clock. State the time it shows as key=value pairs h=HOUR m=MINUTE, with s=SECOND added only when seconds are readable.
h=3 m=12
